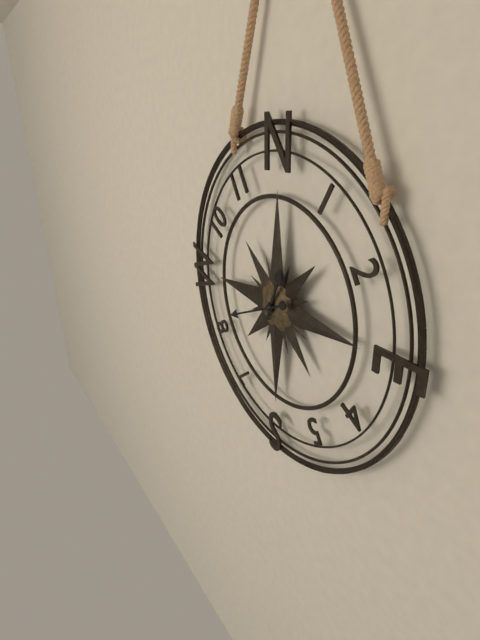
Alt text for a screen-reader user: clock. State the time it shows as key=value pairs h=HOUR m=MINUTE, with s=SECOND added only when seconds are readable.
h=12 m=41
